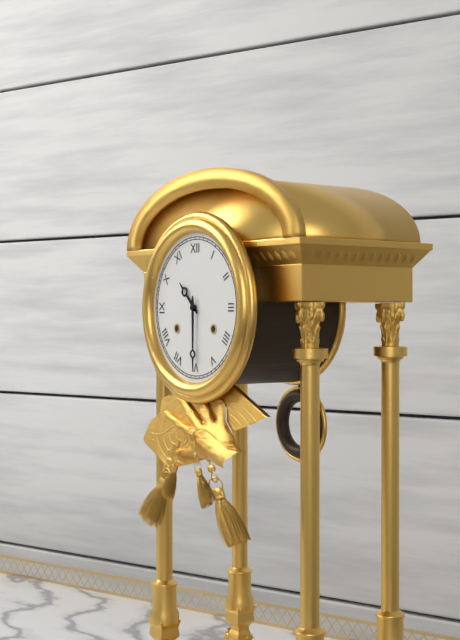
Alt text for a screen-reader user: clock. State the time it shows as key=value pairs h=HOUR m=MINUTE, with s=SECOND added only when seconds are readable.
h=10 m=30
